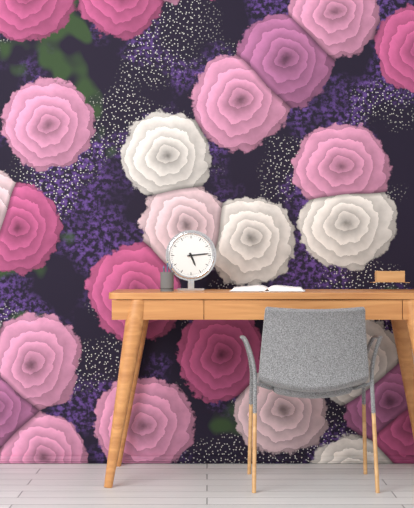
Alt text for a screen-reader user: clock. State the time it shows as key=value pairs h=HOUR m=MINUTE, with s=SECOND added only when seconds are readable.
h=5 m=14
